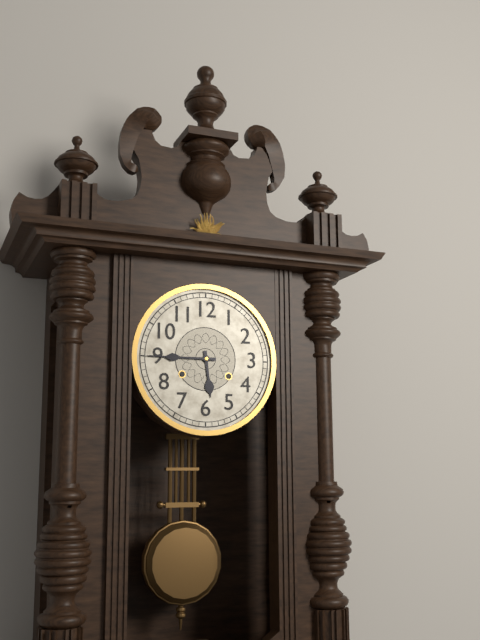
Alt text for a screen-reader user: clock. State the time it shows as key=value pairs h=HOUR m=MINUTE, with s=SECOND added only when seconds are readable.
h=5 m=45
